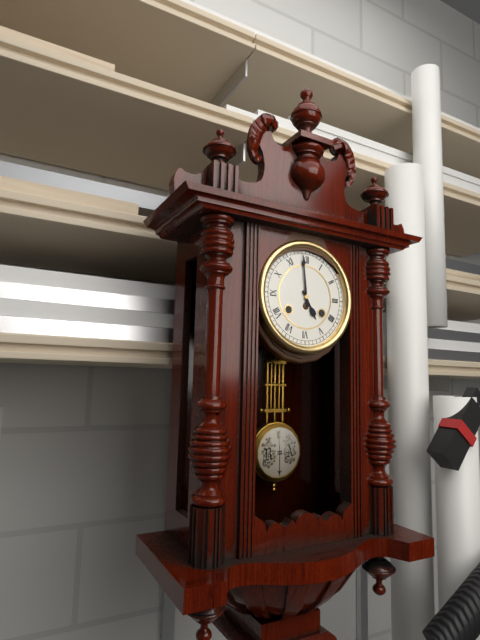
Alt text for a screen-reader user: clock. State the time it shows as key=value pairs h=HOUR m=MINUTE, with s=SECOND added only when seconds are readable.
h=4 m=59
